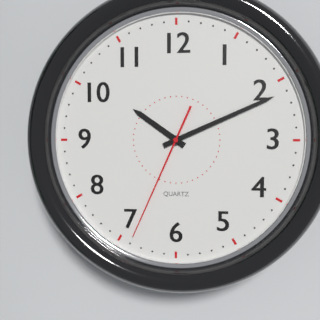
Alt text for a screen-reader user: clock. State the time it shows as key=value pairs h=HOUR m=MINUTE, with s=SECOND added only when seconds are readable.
h=10 m=11 s=34
